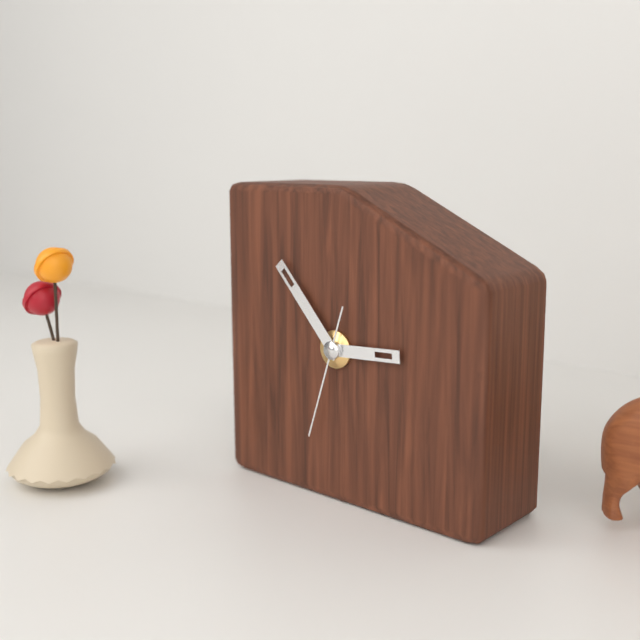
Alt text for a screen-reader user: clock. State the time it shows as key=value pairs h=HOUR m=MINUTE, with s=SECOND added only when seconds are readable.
h=2 m=53 s=33
